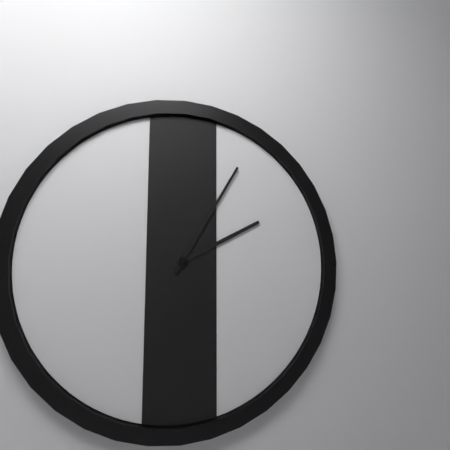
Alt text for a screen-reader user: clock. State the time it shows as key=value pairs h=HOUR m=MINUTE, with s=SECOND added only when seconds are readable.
h=2 m=5
